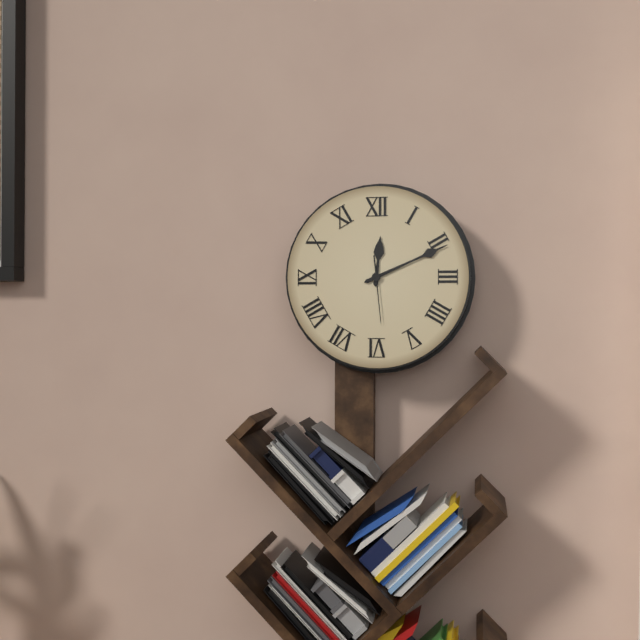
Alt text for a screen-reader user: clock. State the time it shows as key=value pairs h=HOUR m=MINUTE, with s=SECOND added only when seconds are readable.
h=12 m=11 s=29
